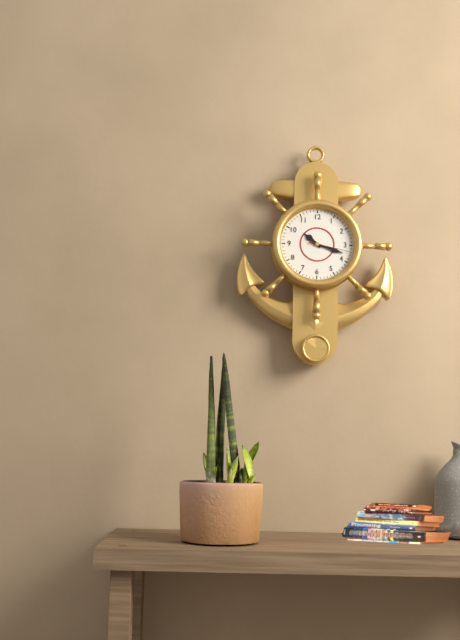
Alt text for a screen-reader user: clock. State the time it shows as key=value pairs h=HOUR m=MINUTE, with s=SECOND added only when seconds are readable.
h=10 m=18
